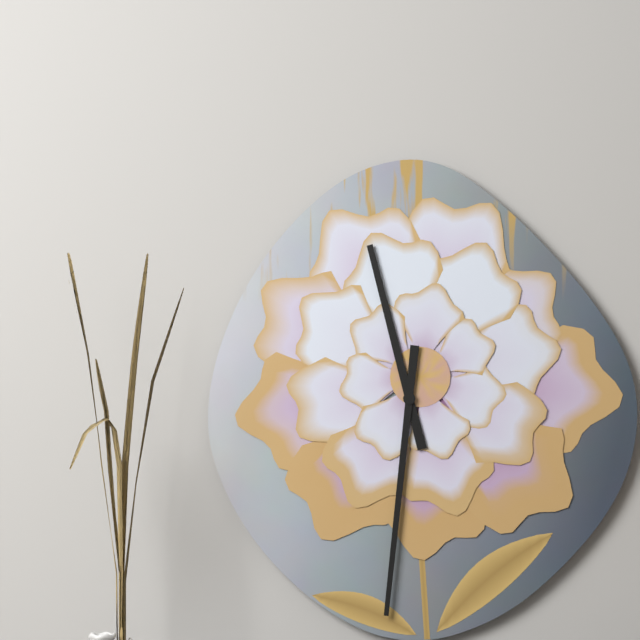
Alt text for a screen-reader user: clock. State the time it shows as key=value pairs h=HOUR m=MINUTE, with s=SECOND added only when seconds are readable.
h=11 m=31
